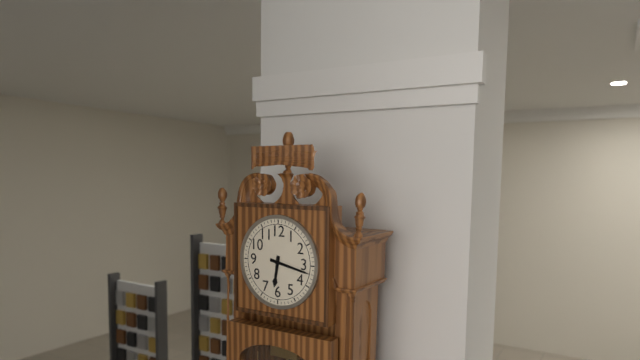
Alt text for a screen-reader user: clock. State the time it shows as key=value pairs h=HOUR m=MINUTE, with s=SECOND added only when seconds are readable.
h=6 m=17
